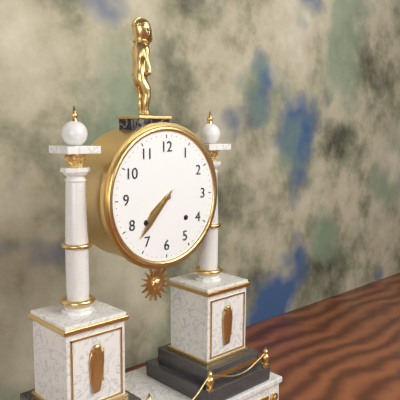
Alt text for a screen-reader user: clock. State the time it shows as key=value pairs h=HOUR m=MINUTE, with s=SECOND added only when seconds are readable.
h=7 m=37
